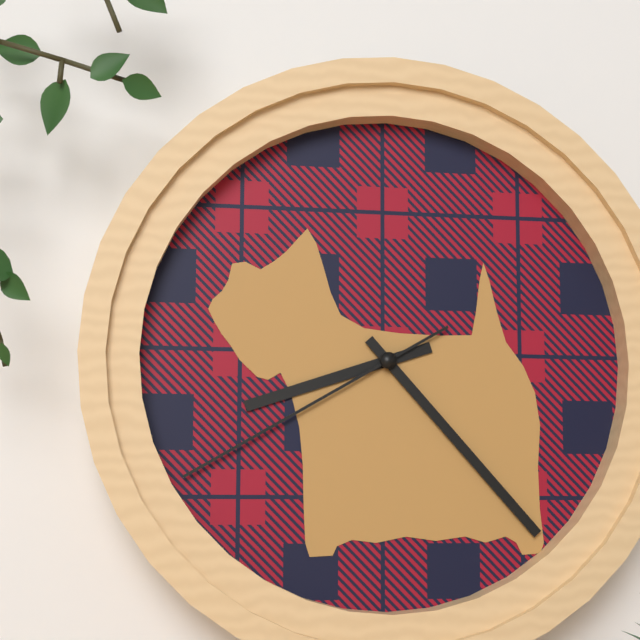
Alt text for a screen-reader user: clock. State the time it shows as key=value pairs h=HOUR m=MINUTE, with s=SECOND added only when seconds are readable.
h=8 m=23 s=40
